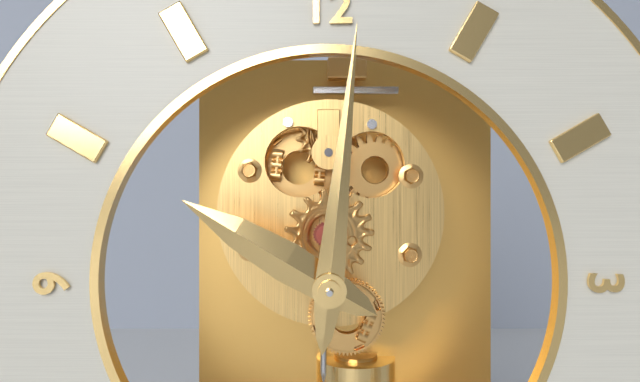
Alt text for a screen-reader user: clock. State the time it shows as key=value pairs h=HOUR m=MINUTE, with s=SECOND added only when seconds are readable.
h=10 m=1
